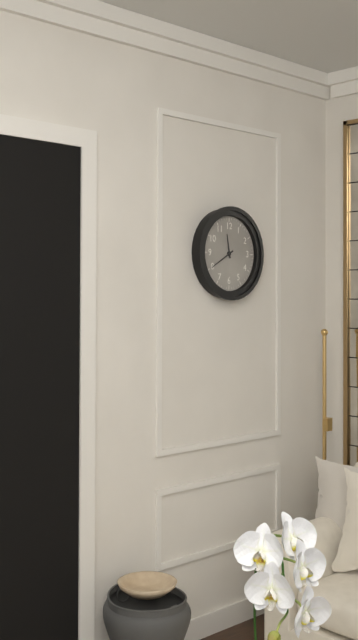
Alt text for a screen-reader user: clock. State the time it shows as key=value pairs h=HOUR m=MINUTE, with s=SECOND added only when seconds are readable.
h=11 m=40
